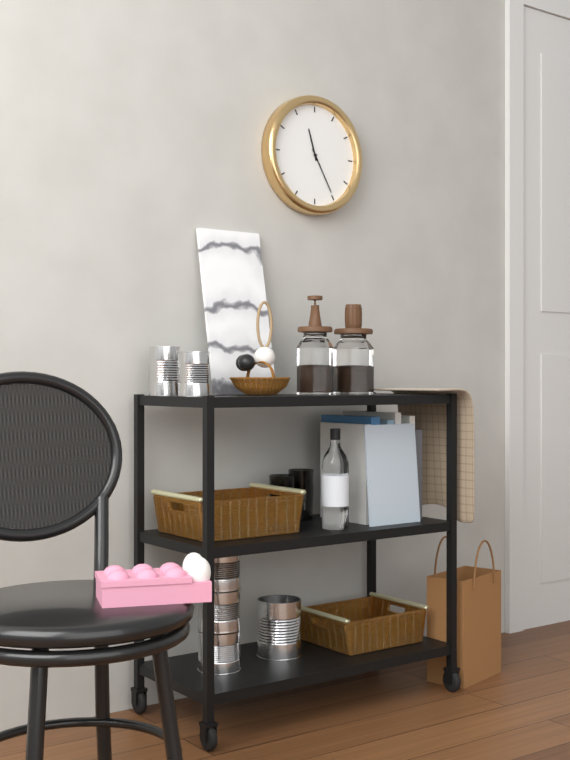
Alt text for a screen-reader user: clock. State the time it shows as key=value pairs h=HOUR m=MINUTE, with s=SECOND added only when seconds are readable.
h=11 m=25
